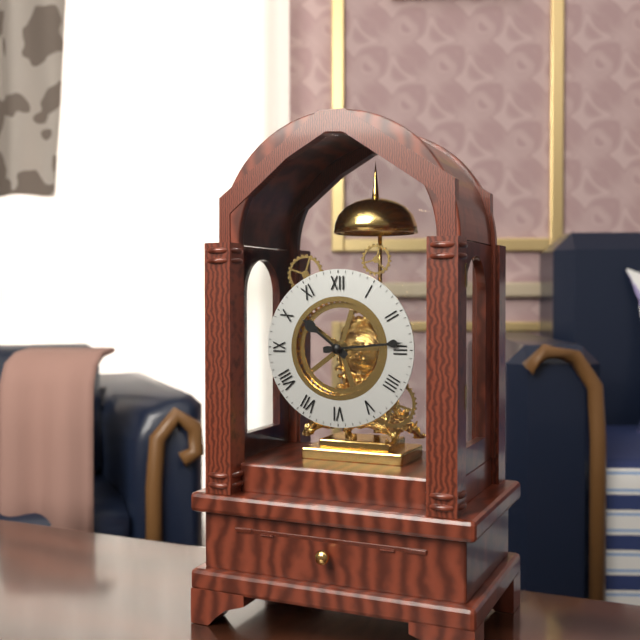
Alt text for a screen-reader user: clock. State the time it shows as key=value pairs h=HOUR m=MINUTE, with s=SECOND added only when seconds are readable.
h=10 m=14
